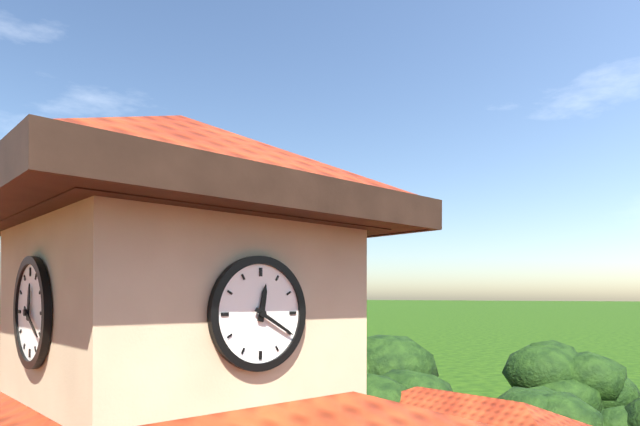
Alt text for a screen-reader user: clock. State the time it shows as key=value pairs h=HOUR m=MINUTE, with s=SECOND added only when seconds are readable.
h=12 m=20
